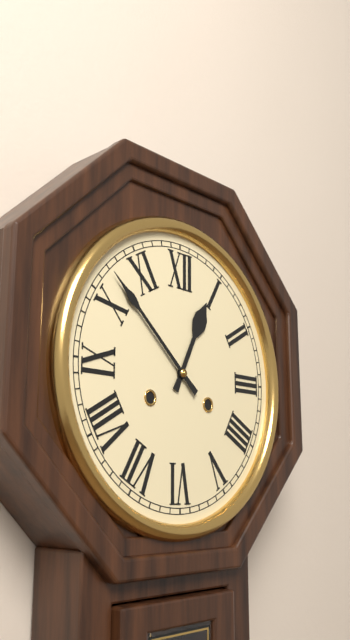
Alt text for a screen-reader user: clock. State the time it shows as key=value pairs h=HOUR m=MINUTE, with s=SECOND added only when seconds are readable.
h=12 m=52
